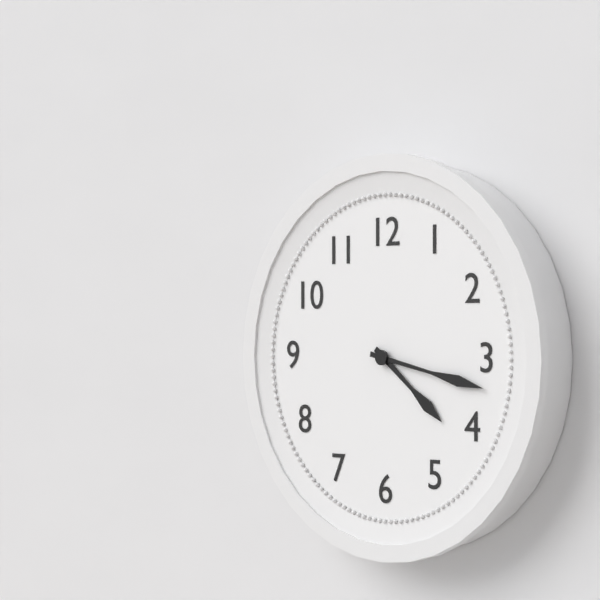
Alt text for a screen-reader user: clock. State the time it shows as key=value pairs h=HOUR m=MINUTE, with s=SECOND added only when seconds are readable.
h=4 m=17
